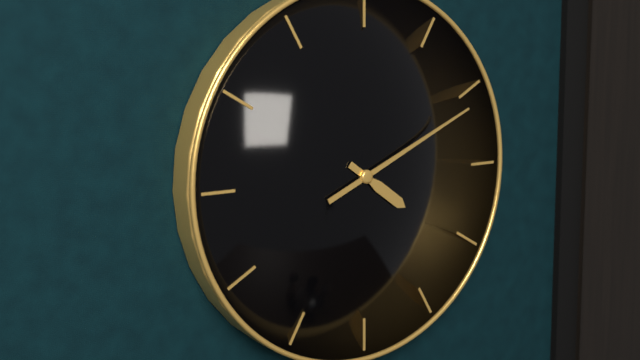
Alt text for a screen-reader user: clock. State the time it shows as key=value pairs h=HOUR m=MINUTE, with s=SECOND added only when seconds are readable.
h=4 m=11
